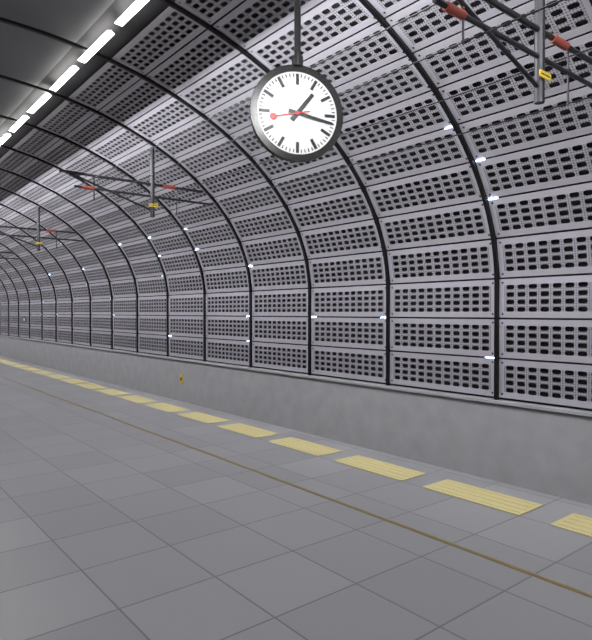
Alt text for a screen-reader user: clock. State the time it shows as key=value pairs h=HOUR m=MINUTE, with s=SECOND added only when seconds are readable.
h=1 m=17
